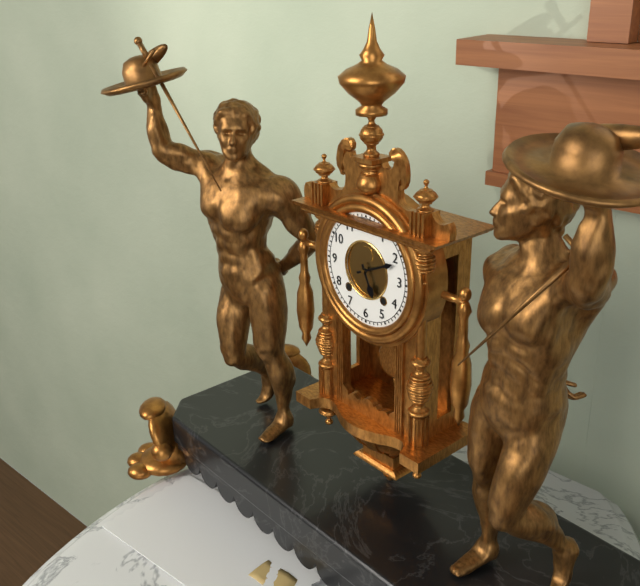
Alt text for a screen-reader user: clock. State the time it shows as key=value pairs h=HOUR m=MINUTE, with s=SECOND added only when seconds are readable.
h=5 m=11
